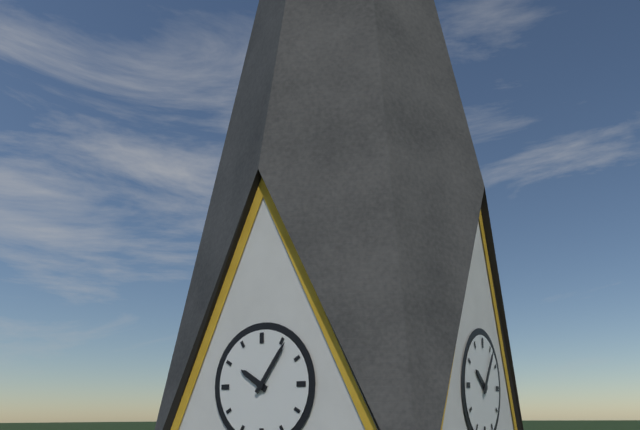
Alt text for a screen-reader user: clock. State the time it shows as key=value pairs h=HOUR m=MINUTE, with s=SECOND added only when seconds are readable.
h=10 m=6
